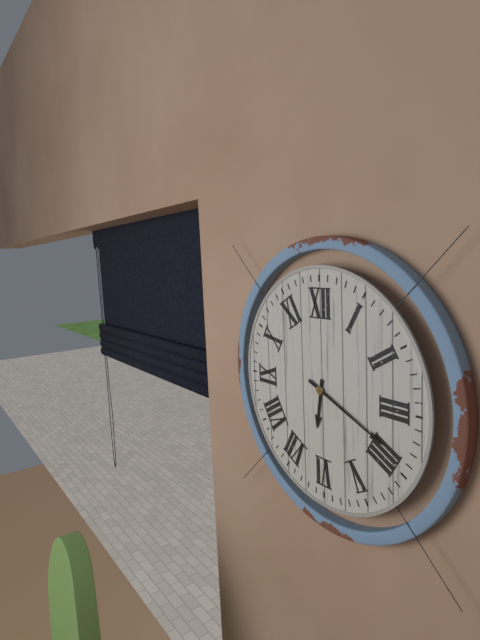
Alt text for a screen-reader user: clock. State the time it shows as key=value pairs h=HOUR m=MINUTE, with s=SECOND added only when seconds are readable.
h=6 m=19
